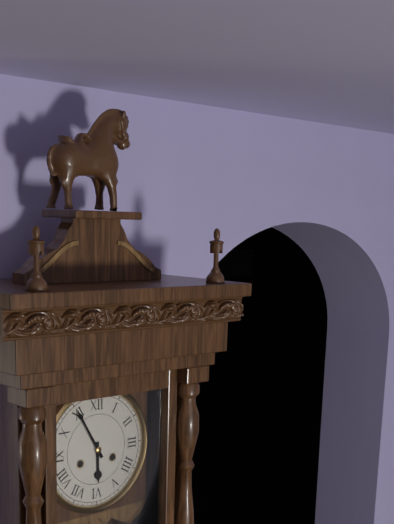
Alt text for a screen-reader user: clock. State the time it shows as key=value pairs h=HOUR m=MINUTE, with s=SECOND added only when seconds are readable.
h=5 m=55
